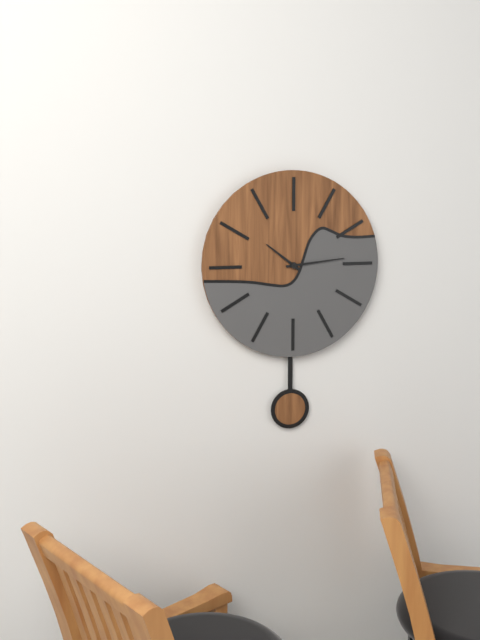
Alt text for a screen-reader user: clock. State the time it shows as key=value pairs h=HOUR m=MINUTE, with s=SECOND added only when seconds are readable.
h=10 m=14
